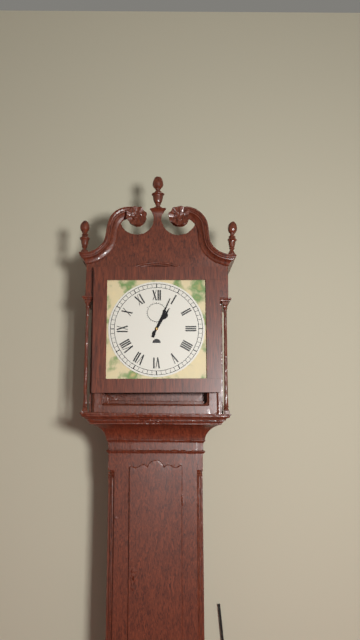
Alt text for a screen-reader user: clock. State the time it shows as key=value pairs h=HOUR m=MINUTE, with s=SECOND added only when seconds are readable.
h=1 m=4
